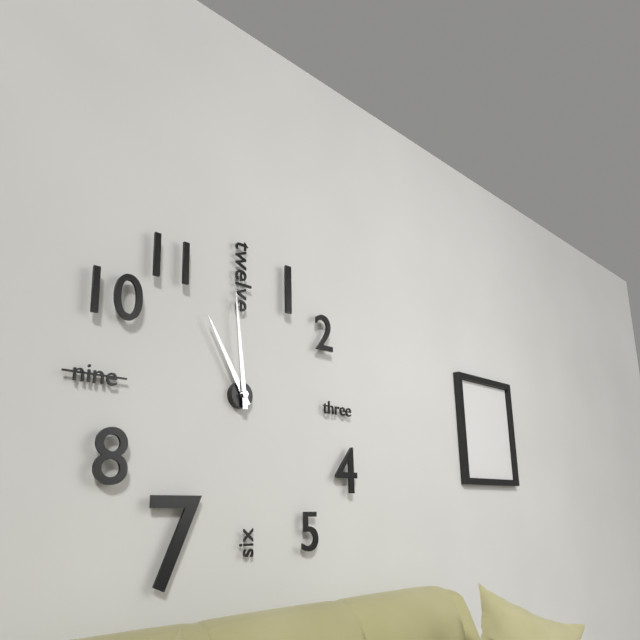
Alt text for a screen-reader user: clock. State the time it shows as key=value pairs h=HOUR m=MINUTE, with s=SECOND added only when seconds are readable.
h=10 m=59
